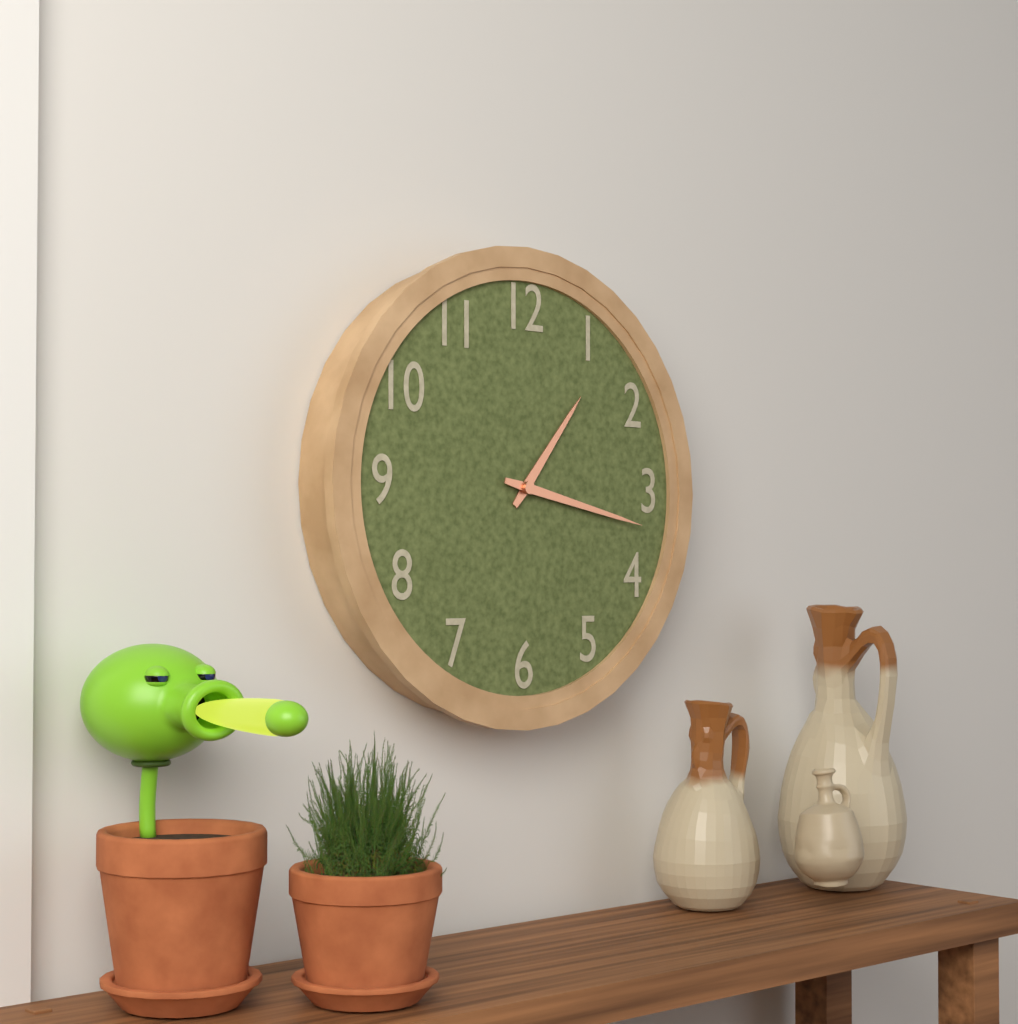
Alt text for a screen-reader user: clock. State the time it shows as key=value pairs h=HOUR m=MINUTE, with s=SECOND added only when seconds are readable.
h=1 m=17
